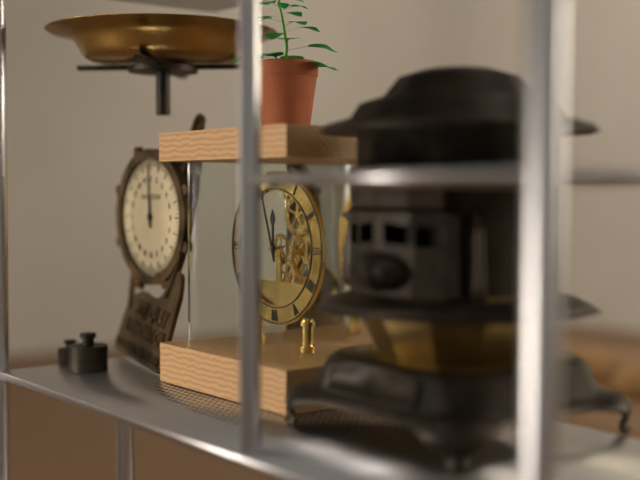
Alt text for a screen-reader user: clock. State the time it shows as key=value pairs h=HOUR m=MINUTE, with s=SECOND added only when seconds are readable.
h=11 m=57
